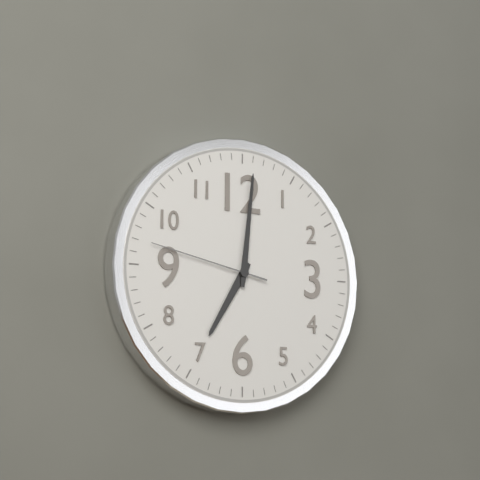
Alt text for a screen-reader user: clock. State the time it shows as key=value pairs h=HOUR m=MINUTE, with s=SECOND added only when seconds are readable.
h=7 m=1 s=47
